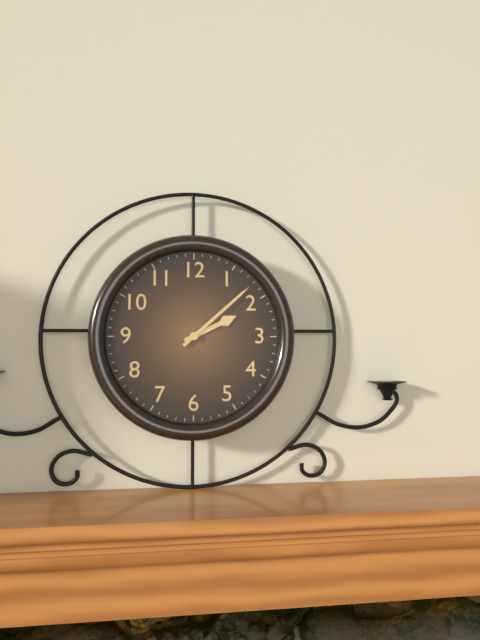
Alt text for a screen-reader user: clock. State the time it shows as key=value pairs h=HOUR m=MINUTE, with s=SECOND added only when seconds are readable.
h=2 m=8
